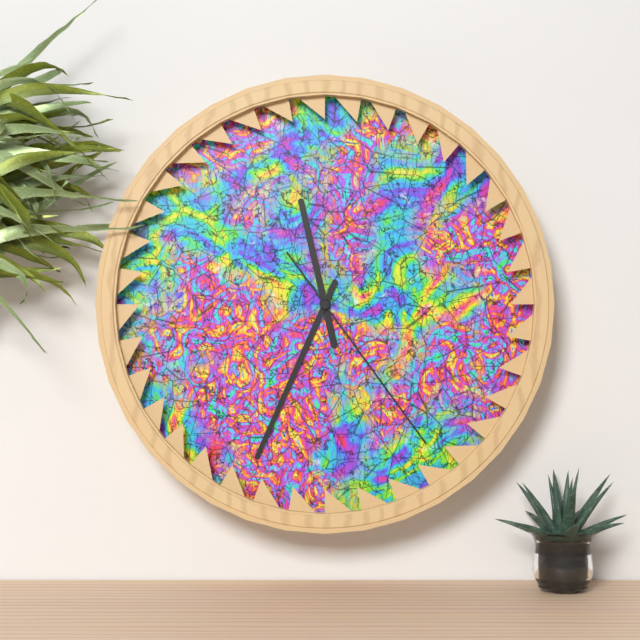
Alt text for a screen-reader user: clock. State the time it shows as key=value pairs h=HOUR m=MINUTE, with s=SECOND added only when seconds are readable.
h=11 m=34 s=24
